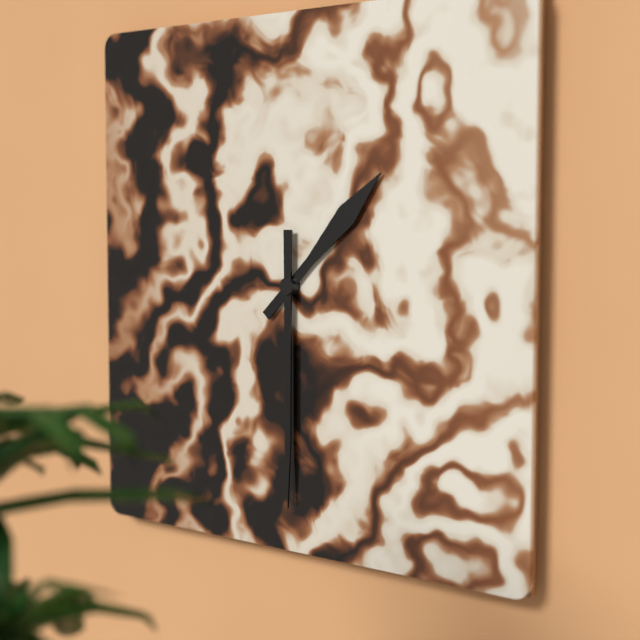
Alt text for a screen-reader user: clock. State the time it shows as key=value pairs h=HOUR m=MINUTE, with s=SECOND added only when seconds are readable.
h=1 m=30
